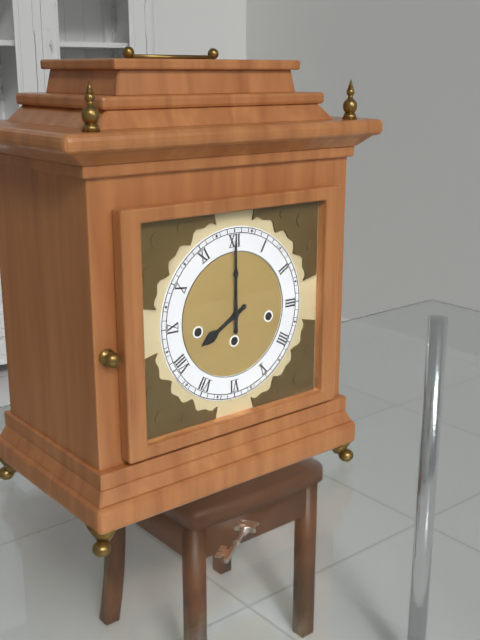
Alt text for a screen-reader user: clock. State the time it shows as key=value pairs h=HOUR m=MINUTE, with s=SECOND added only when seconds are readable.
h=8 m=0
